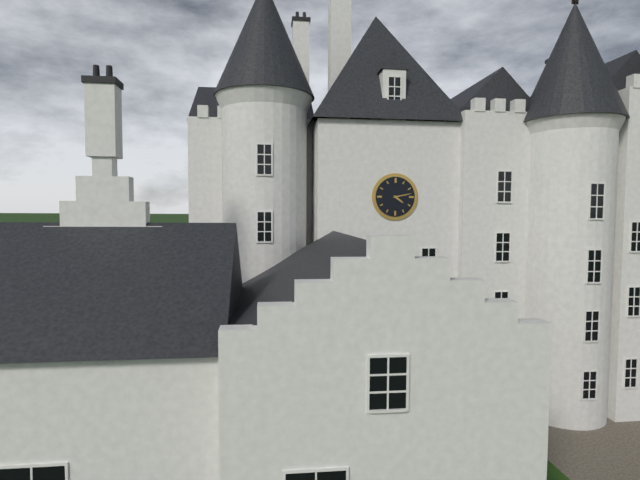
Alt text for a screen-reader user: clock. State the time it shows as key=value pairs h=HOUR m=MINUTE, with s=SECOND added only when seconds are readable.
h=4 m=13
